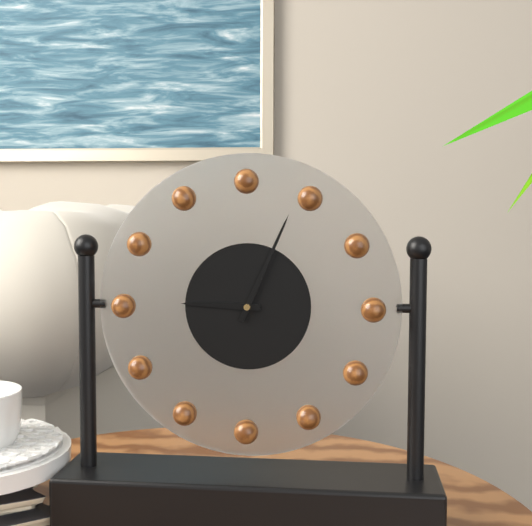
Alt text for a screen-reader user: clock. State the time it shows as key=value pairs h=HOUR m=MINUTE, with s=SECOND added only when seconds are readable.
h=9 m=4
